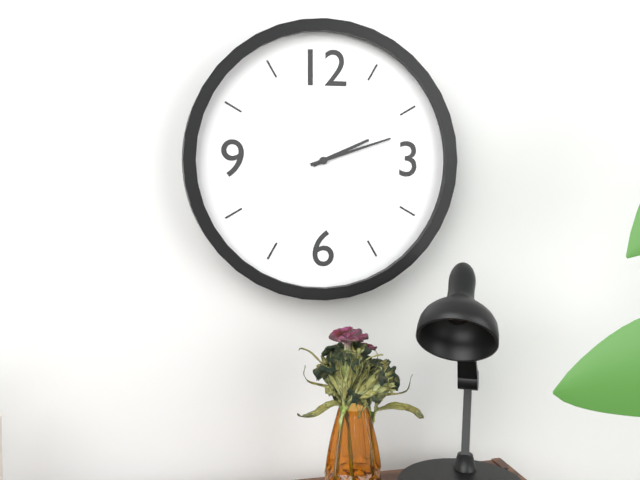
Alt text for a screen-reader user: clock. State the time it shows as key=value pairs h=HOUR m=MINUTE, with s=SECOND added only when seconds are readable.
h=2 m=12
